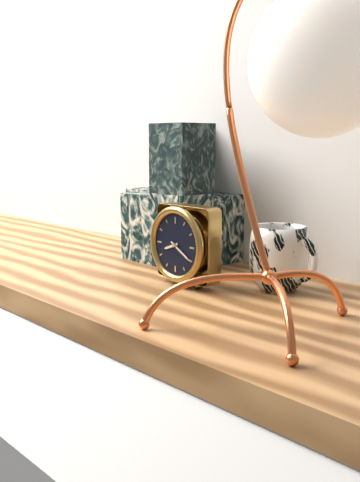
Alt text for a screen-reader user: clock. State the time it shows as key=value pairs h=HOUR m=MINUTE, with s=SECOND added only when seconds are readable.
h=8 m=20
